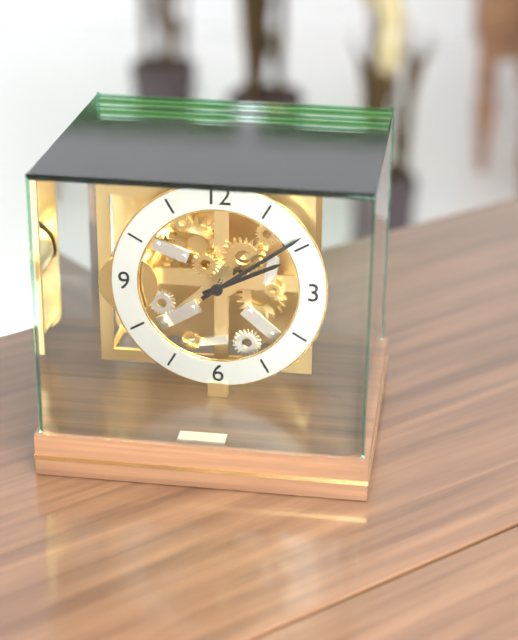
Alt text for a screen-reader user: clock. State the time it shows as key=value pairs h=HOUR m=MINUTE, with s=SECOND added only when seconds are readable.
h=2 m=9
